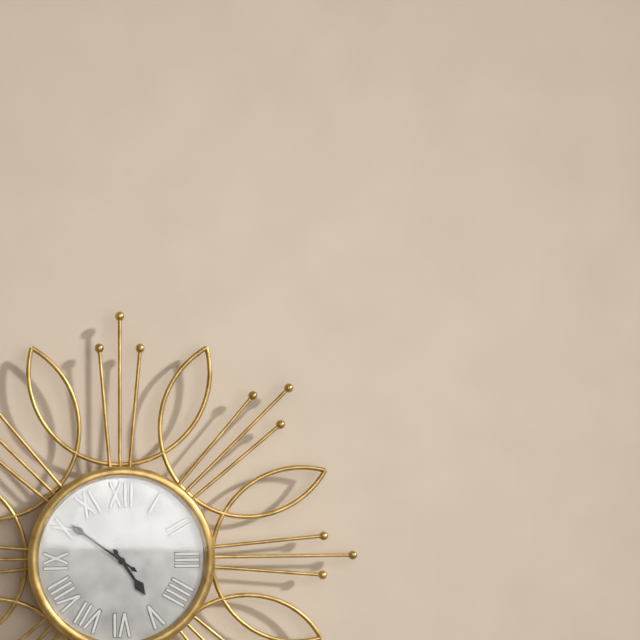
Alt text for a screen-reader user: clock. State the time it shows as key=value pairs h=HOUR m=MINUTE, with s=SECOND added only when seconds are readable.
h=4 m=51
